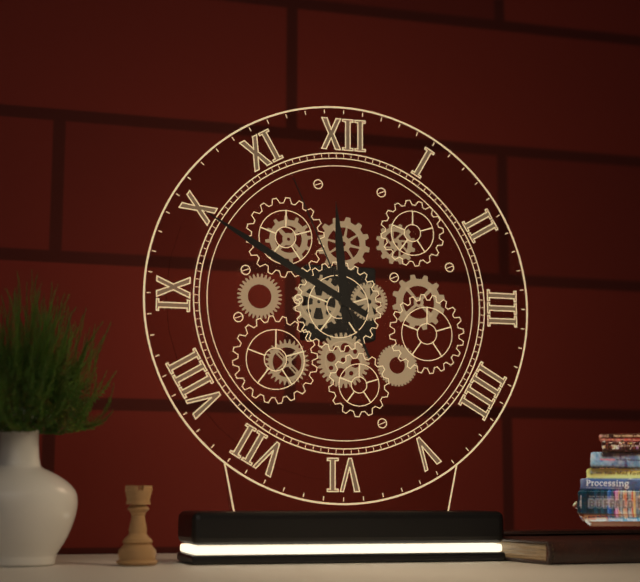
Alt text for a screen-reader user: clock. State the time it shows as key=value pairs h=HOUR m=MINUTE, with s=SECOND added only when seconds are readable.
h=11 m=50 s=56
